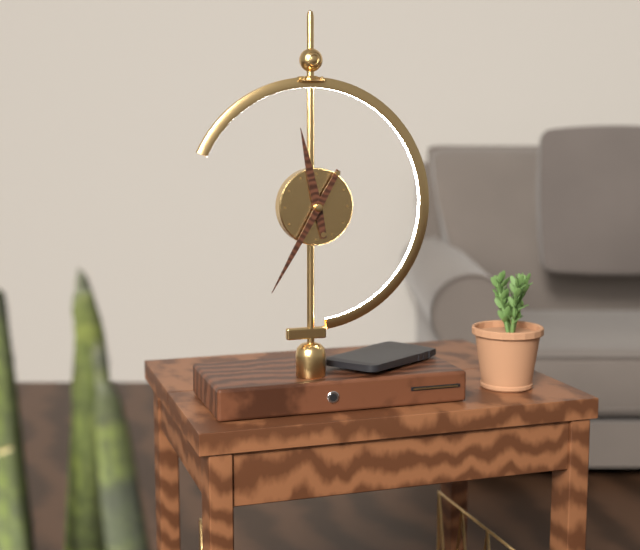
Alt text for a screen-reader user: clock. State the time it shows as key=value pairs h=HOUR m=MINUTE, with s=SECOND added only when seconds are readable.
h=11 m=35
